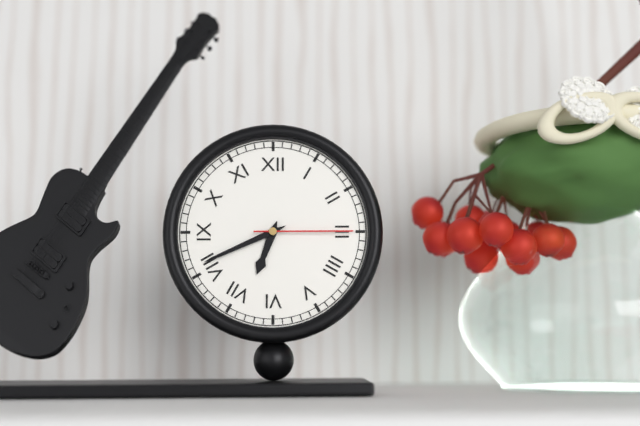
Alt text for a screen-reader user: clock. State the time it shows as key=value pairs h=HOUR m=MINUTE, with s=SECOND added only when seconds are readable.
h=6 m=41 s=15
